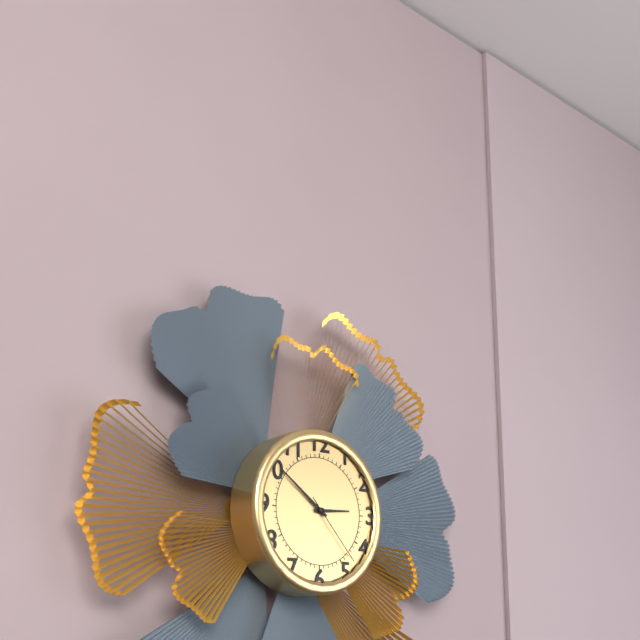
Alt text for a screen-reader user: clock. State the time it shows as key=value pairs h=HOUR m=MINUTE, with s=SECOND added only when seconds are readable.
h=2 m=51 s=23
